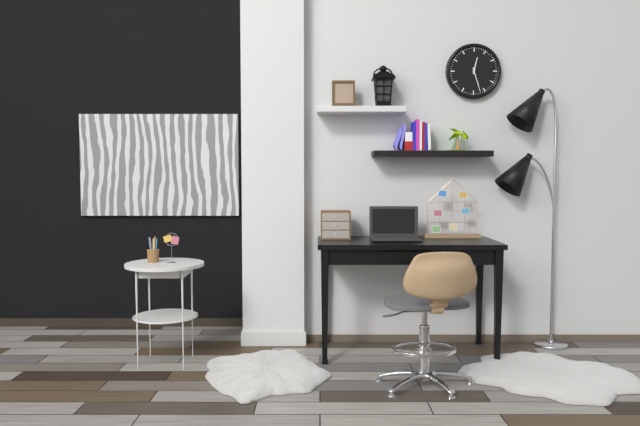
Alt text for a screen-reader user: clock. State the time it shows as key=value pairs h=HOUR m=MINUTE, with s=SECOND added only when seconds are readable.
h=12 m=27
